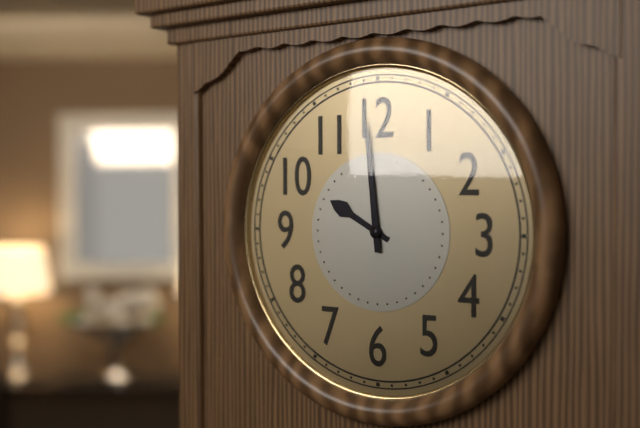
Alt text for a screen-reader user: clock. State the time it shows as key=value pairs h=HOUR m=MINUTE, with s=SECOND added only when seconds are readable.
h=9 m=59
